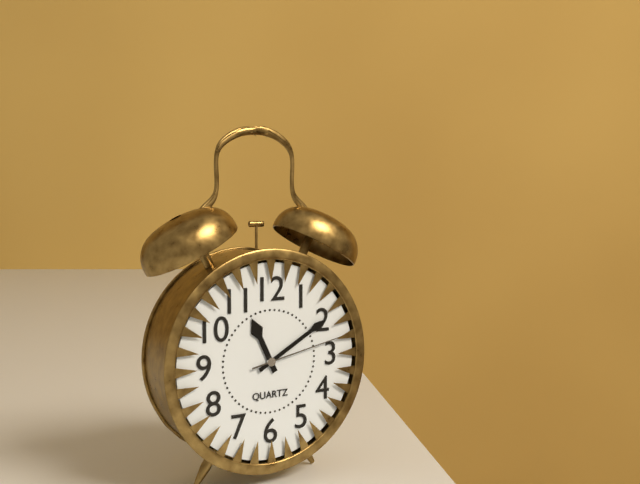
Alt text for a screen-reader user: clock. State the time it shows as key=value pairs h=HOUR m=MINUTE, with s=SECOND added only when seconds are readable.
h=11 m=10 s=13
